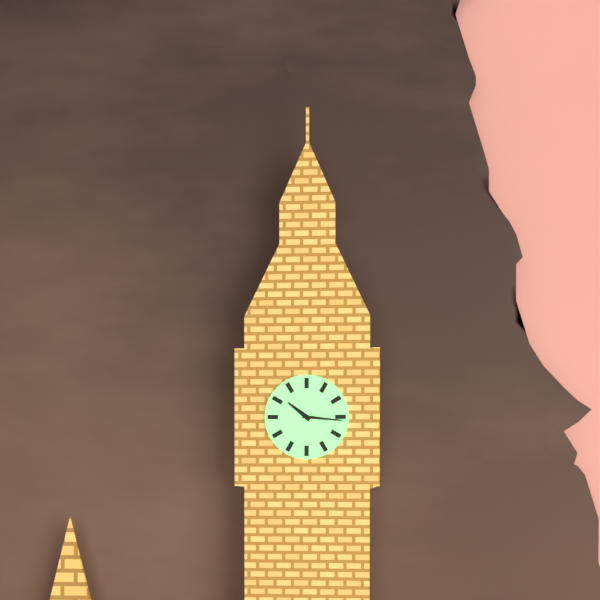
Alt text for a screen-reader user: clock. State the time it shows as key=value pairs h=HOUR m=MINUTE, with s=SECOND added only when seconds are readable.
h=10 m=16
